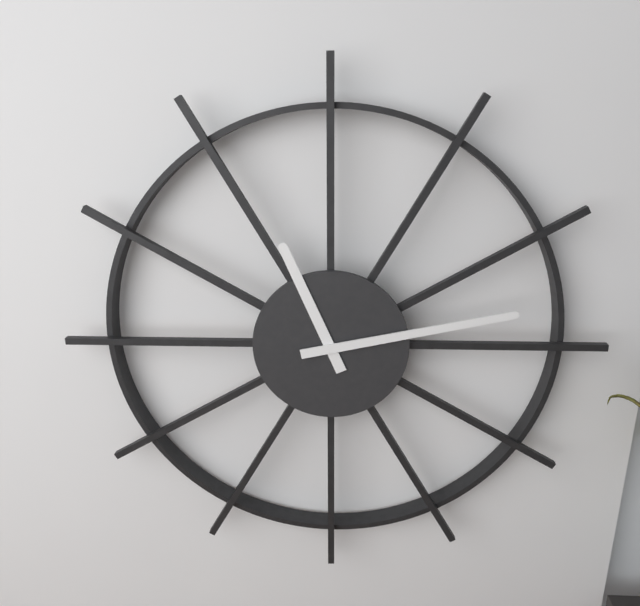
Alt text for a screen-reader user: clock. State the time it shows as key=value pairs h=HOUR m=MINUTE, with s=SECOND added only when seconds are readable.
h=11 m=13
